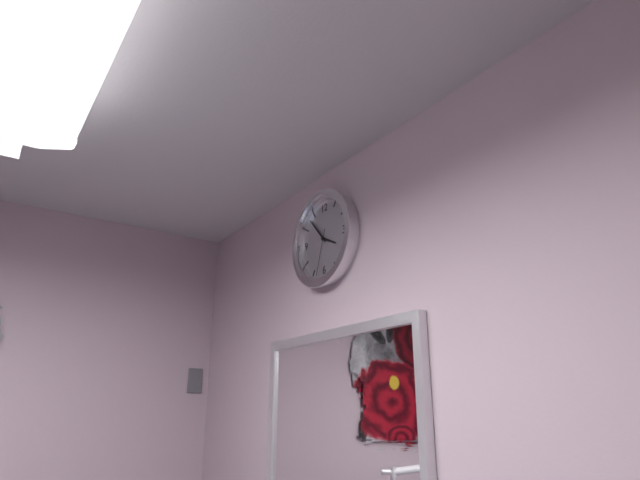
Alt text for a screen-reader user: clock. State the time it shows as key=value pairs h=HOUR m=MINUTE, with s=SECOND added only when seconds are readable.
h=3 m=53
